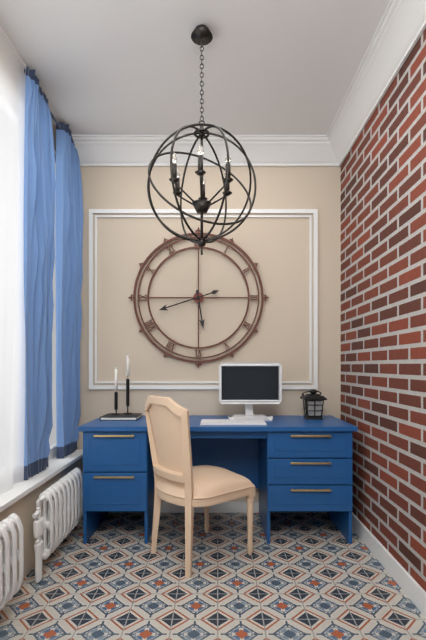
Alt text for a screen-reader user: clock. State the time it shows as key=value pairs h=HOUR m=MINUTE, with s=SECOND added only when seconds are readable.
h=5 m=42
